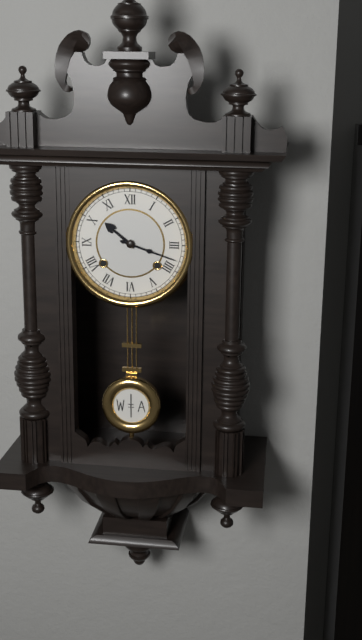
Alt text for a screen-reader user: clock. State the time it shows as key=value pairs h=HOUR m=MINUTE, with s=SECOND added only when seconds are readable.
h=10 m=18
